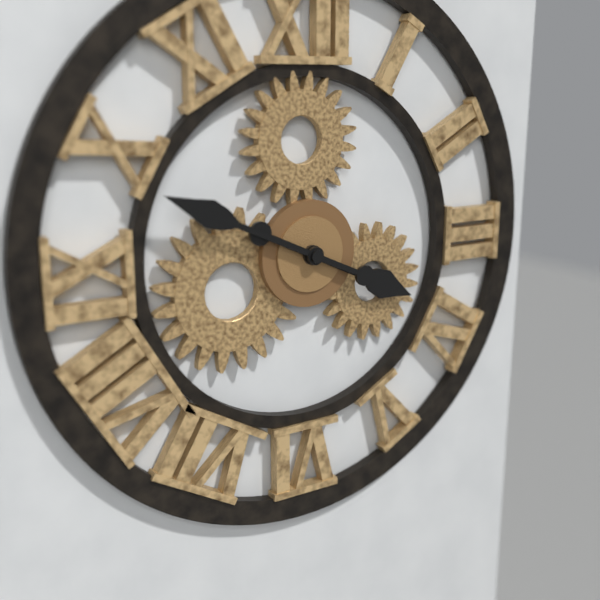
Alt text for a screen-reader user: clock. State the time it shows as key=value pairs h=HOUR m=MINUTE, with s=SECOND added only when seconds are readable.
h=3 m=49
